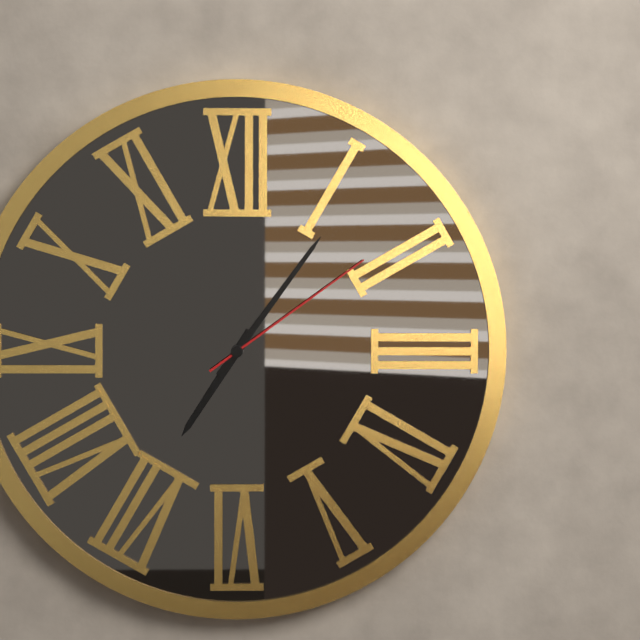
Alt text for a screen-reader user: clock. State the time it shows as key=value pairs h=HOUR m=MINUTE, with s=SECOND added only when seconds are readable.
h=7 m=6 s=9
